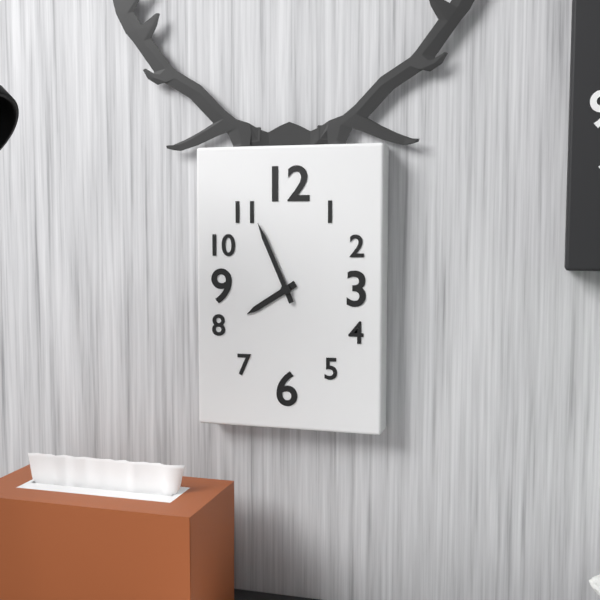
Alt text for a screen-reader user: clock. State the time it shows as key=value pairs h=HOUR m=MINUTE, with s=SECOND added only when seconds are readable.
h=7 m=56
